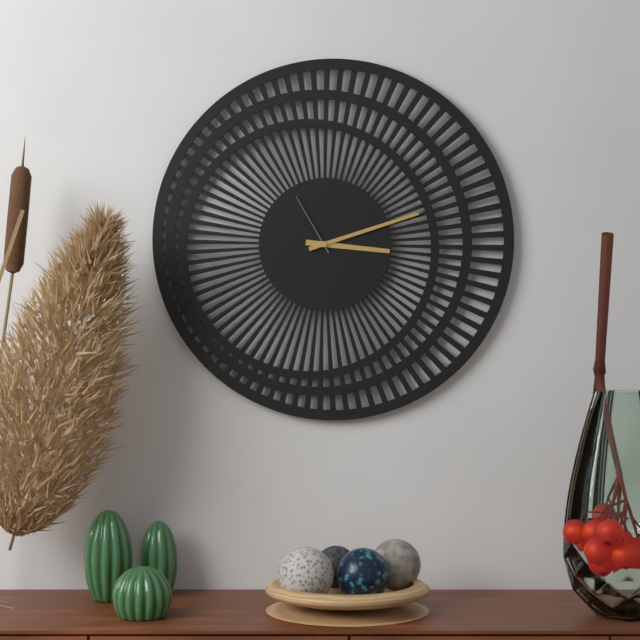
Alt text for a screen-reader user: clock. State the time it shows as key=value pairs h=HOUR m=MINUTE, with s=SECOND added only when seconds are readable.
h=3 m=12 s=55
